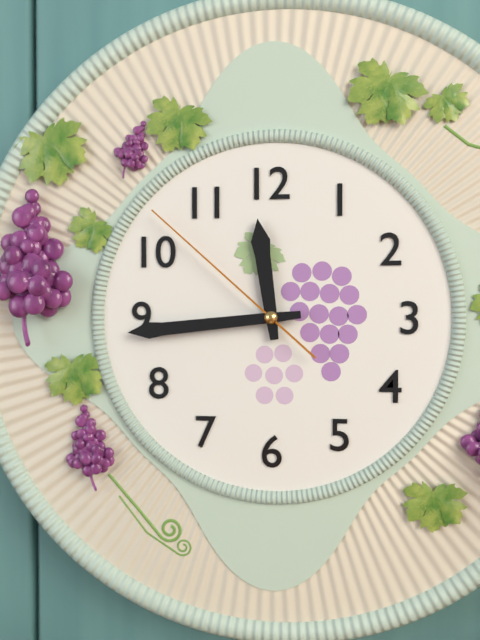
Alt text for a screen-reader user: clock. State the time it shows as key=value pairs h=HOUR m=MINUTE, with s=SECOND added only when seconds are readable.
h=11 m=44 s=52
